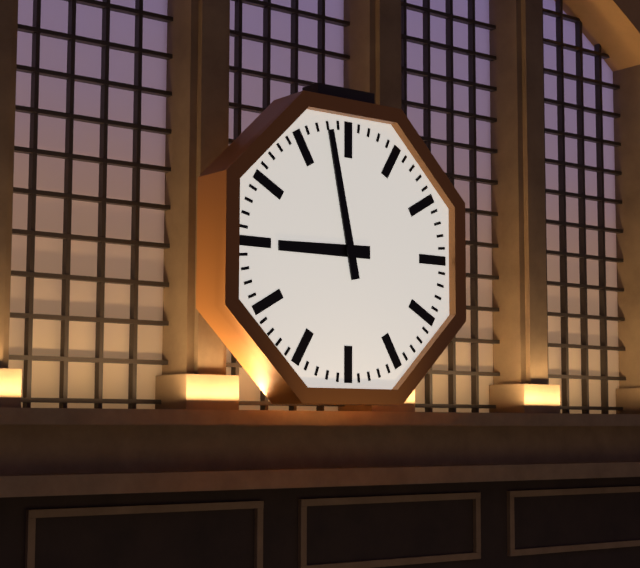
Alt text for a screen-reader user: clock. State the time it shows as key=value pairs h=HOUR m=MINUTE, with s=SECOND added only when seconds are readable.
h=8 m=58
